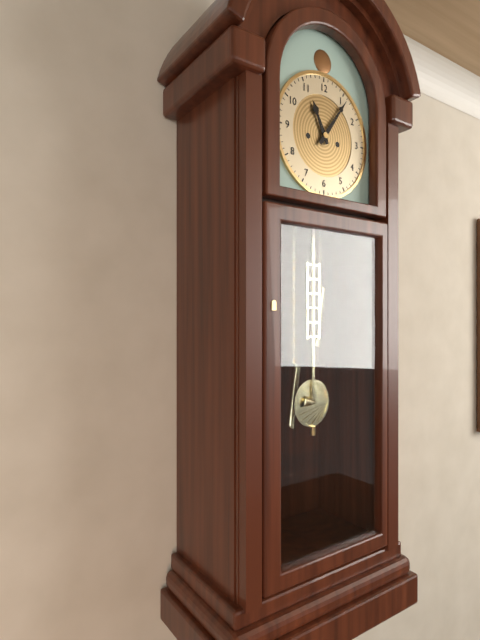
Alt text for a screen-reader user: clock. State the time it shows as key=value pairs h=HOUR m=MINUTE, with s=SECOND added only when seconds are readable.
h=11 m=6
